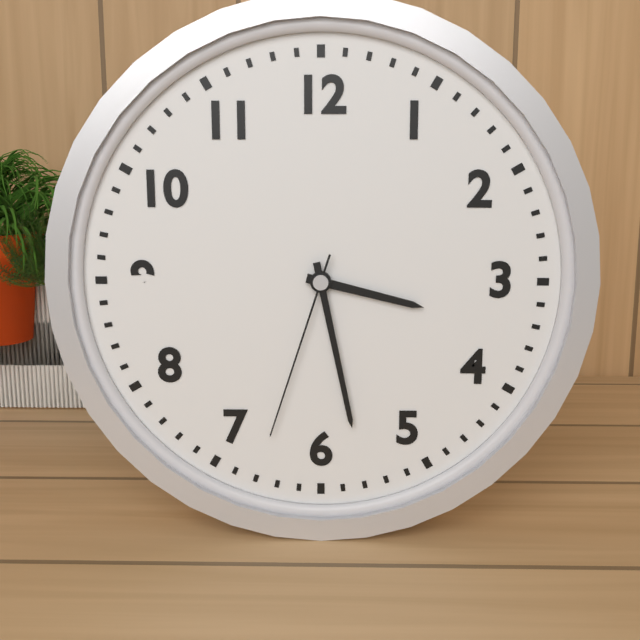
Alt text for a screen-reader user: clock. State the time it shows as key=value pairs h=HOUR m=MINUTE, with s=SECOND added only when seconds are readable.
h=3 m=28 s=33
